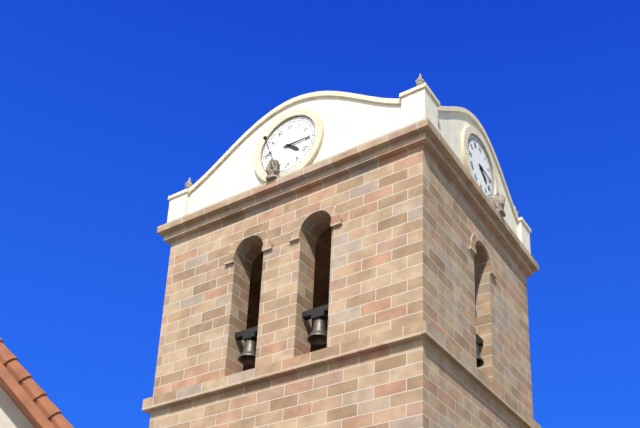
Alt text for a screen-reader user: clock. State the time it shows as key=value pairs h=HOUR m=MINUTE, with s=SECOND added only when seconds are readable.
h=4 m=15
